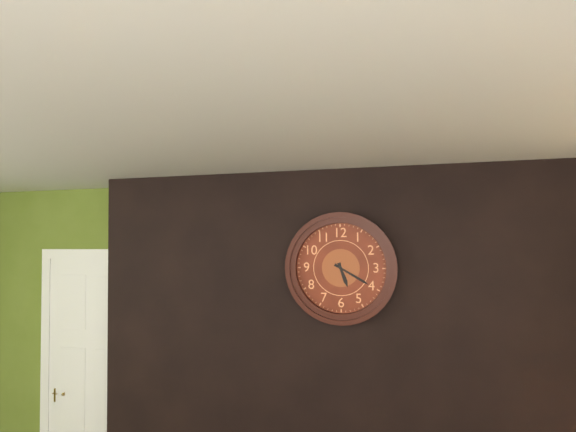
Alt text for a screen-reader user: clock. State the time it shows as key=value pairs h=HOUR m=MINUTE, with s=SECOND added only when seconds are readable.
h=5 m=20
